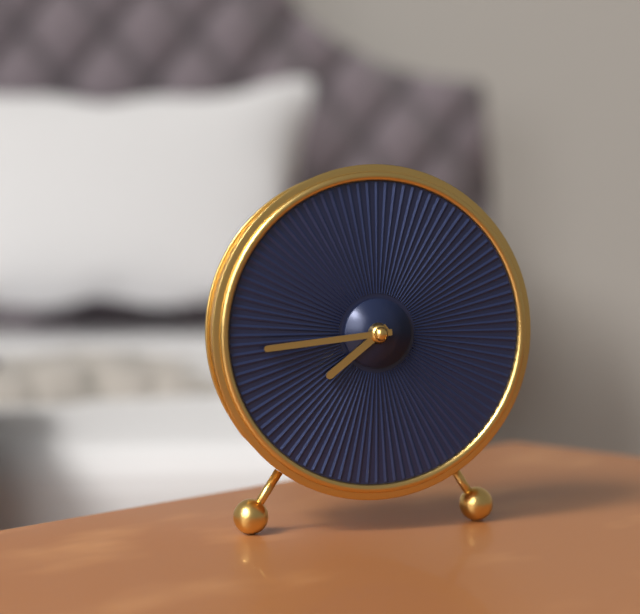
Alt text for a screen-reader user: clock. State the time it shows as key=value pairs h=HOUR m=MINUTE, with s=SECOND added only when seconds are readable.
h=7 m=44
